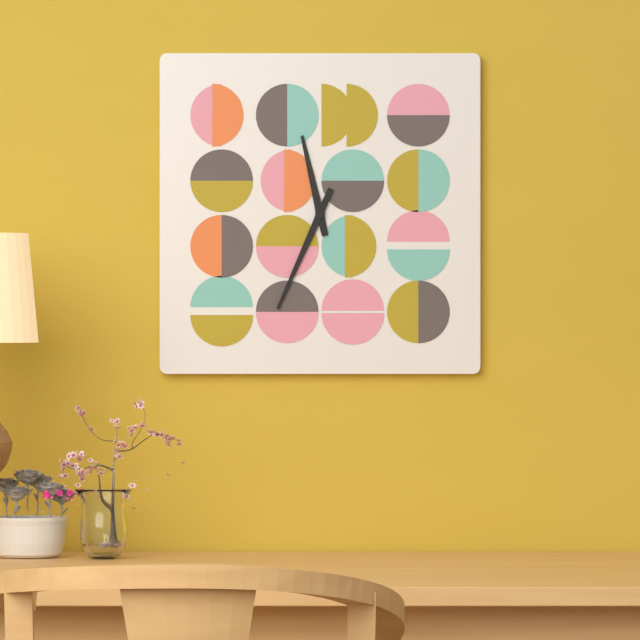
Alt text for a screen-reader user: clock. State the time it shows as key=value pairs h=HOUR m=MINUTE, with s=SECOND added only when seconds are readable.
h=11 m=34
